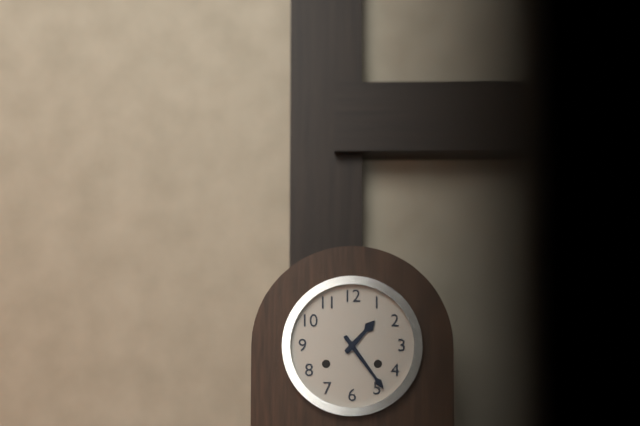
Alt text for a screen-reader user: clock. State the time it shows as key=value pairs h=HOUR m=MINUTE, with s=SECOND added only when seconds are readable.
h=1 m=24
